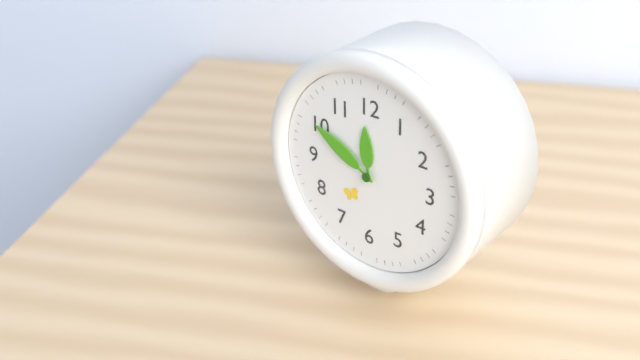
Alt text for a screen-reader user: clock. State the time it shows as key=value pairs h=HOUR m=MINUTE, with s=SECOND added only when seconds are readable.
h=11 m=50
